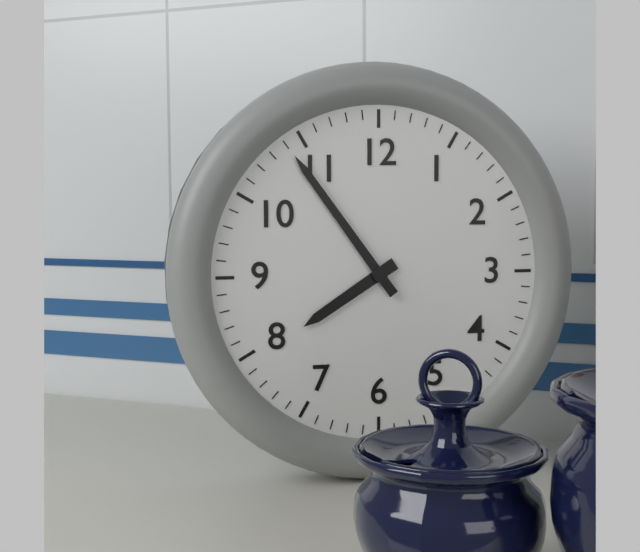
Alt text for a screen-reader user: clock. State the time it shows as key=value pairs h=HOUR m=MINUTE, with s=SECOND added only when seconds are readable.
h=7 m=54
